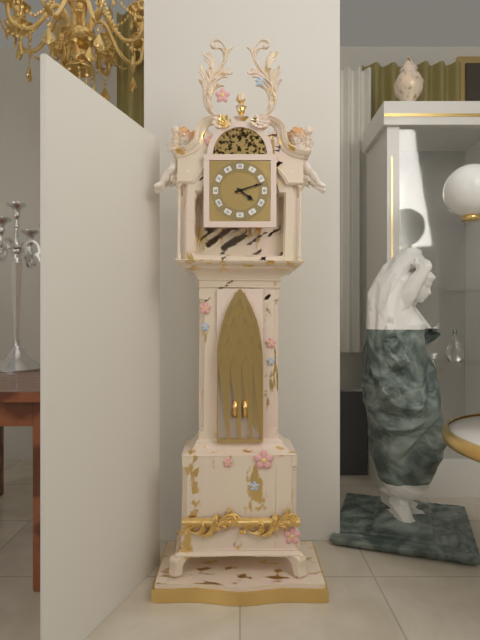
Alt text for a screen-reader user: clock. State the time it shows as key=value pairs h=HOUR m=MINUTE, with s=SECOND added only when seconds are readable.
h=4 m=12
